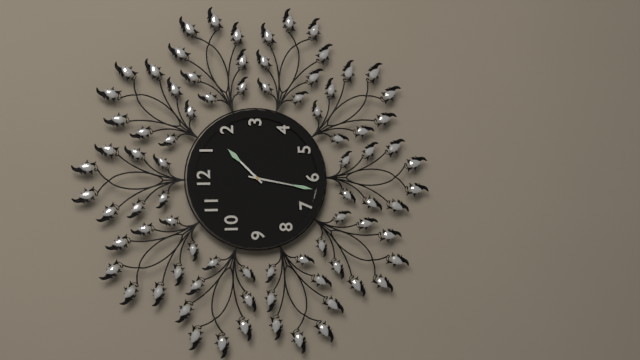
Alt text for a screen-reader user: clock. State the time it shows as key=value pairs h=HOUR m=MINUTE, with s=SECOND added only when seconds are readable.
h=1 m=32
